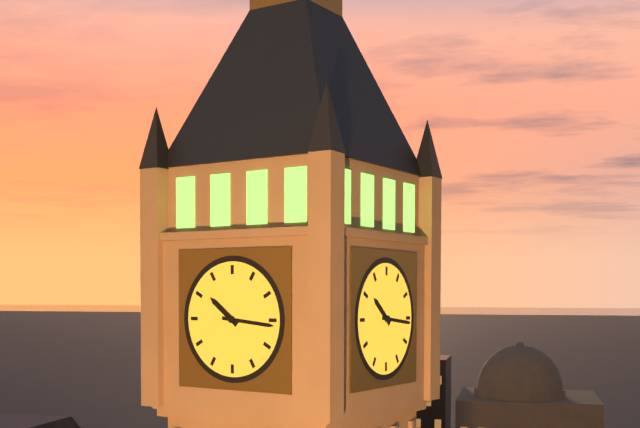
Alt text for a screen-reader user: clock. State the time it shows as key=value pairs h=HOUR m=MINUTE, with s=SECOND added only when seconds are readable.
h=10 m=16
